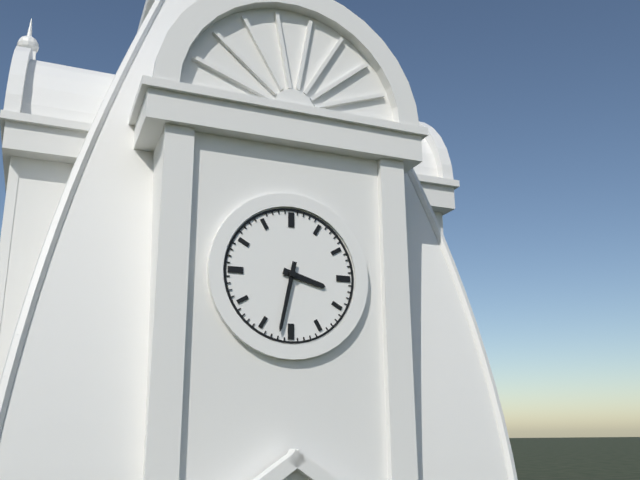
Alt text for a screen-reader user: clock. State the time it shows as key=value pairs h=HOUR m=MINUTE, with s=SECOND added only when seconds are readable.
h=3 m=32
